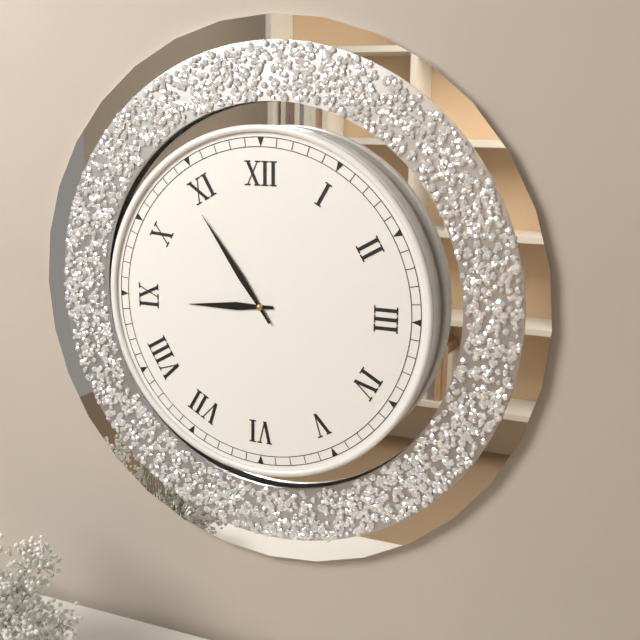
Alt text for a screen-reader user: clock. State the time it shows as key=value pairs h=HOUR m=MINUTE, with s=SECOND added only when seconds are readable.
h=8 m=54
